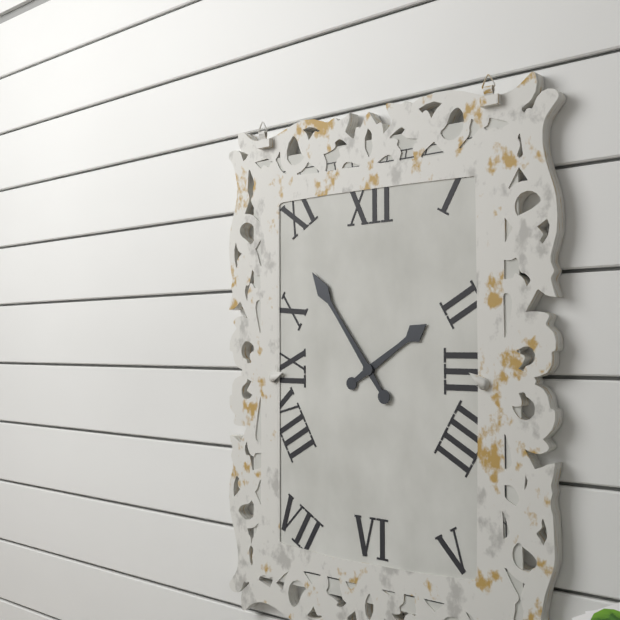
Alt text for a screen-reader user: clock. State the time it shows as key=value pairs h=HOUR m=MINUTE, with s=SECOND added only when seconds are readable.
h=1 m=54
